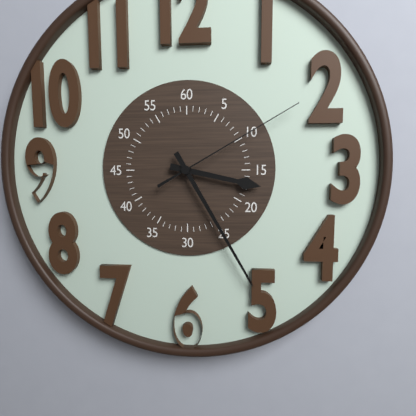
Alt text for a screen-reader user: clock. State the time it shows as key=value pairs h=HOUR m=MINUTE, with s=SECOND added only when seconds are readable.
h=3 m=25 s=10
